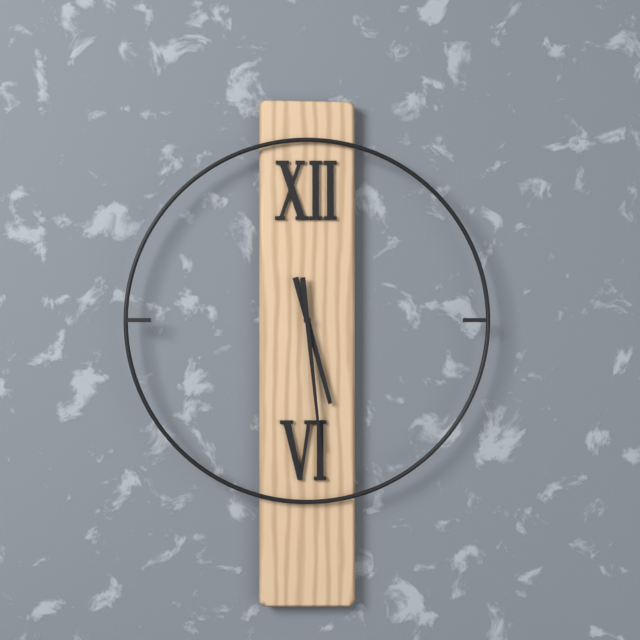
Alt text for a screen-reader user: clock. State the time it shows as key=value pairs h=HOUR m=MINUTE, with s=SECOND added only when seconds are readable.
h=5 m=29
